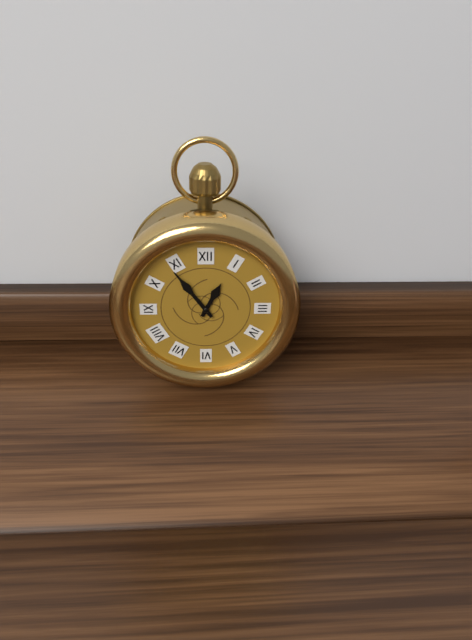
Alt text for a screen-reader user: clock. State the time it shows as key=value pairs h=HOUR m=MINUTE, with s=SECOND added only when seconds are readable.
h=12 m=54
